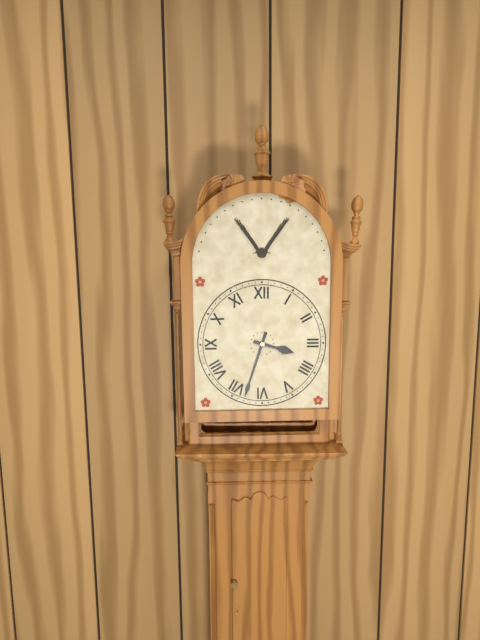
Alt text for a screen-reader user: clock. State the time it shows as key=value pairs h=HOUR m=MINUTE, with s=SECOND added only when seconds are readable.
h=3 m=33
